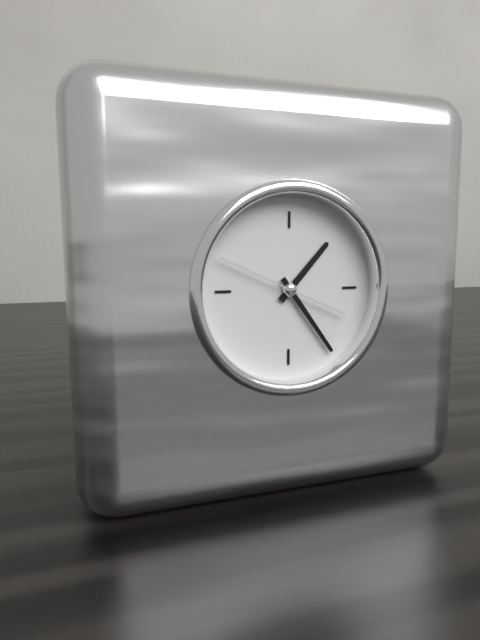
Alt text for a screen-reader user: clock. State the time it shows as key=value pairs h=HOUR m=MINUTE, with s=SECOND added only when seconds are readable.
h=1 m=24 s=49
